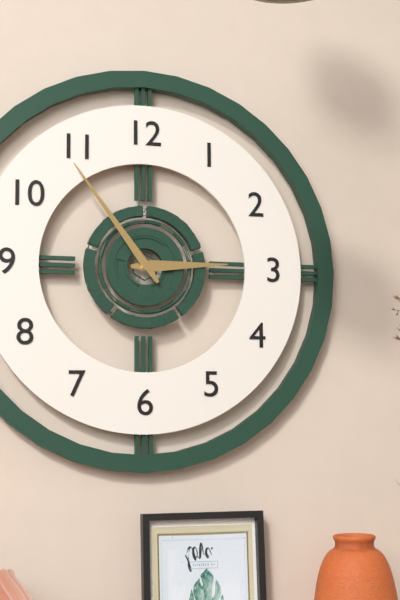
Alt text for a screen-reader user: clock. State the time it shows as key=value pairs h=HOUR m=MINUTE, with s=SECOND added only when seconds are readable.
h=2 m=54
